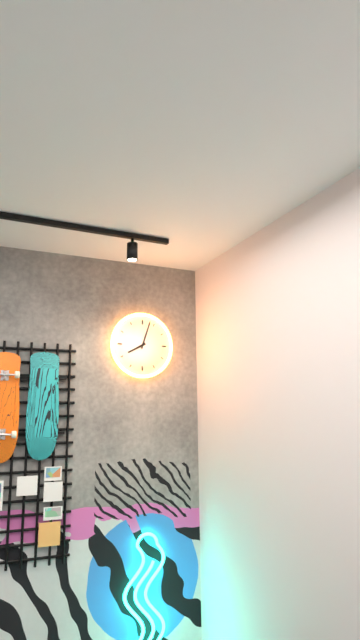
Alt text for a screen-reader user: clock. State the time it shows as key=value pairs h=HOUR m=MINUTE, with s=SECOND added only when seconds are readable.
h=8 m=3
